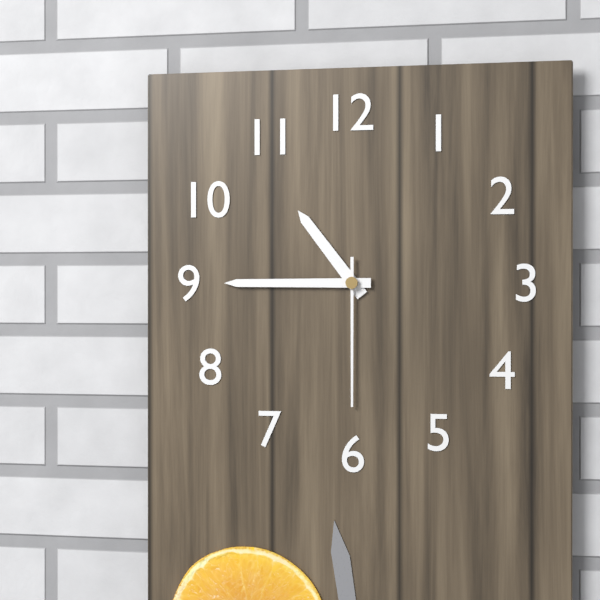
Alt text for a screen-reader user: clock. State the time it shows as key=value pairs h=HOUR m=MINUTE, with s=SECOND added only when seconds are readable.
h=10 m=45 s=30
